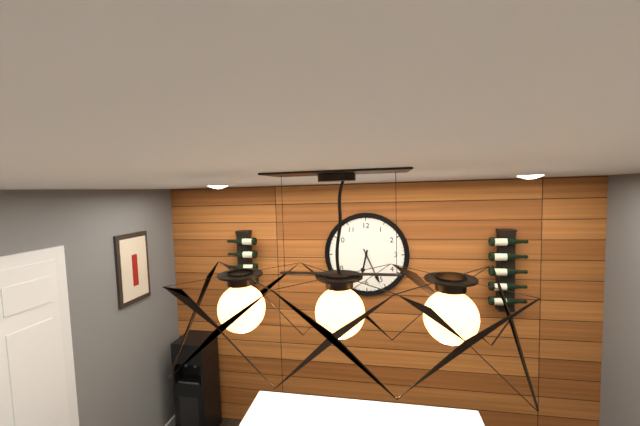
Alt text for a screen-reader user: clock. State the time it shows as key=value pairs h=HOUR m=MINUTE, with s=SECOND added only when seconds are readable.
h=6 m=26
